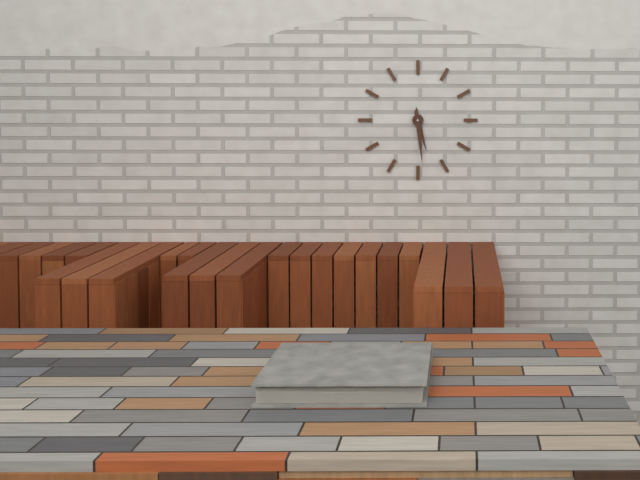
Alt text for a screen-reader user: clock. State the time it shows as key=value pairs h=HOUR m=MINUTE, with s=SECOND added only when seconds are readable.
h=5 m=29
